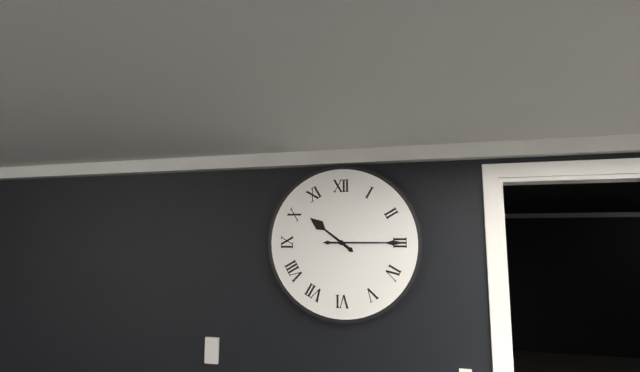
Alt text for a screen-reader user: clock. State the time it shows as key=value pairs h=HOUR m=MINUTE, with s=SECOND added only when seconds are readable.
h=10 m=15
